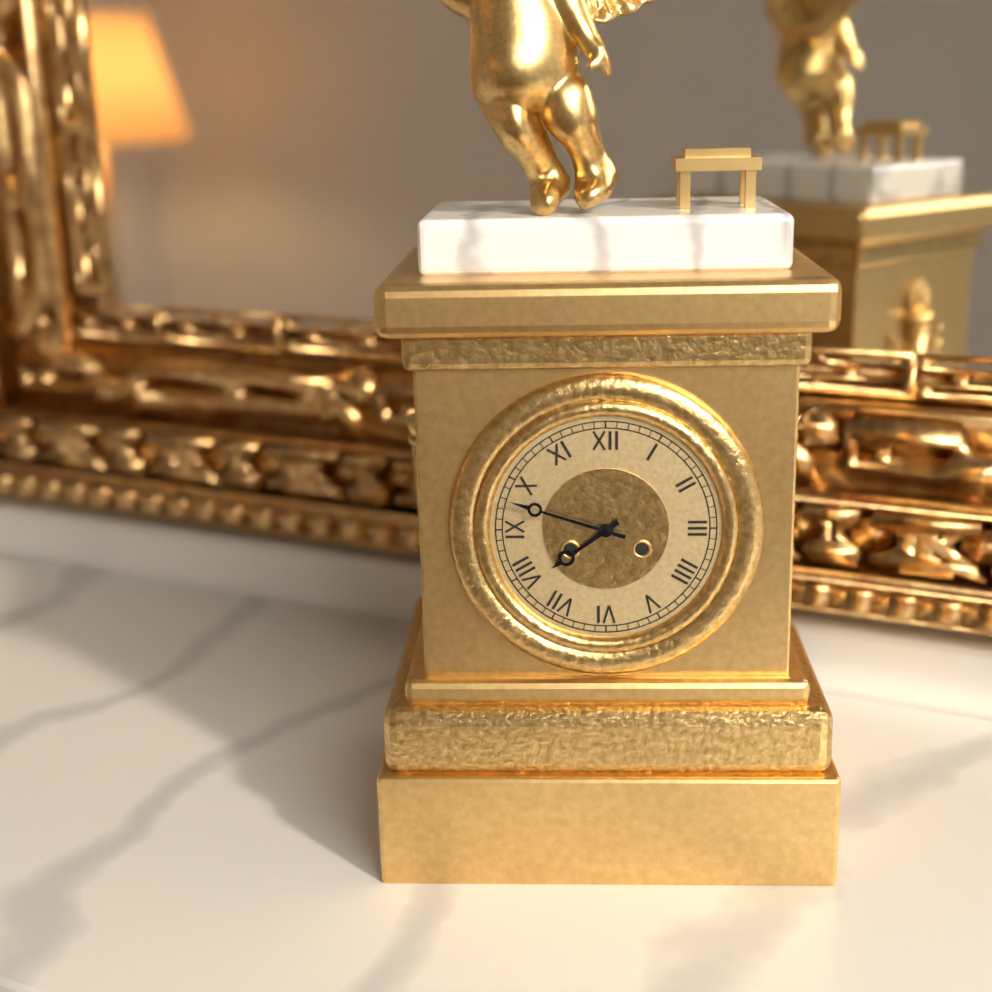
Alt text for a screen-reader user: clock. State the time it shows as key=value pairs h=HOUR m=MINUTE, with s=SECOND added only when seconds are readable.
h=7 m=48
